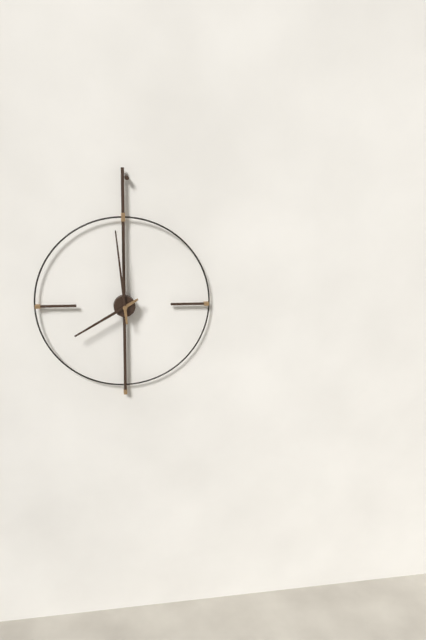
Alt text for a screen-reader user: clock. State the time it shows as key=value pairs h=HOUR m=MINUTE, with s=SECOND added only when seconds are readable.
h=7 m=59
